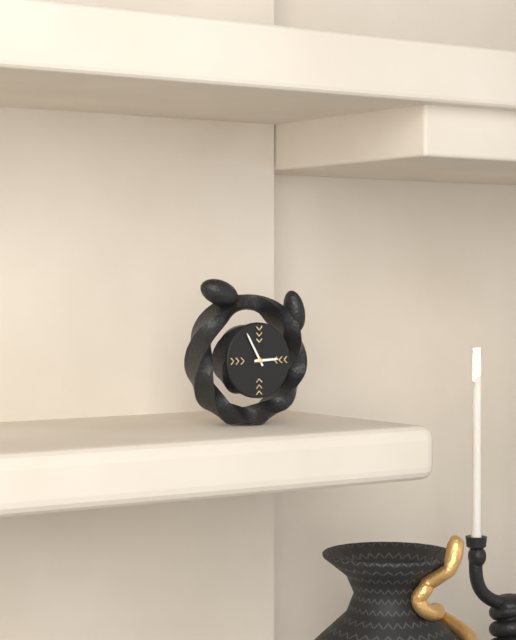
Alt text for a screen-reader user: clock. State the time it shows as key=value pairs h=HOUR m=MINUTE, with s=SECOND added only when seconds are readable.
h=2 m=55
